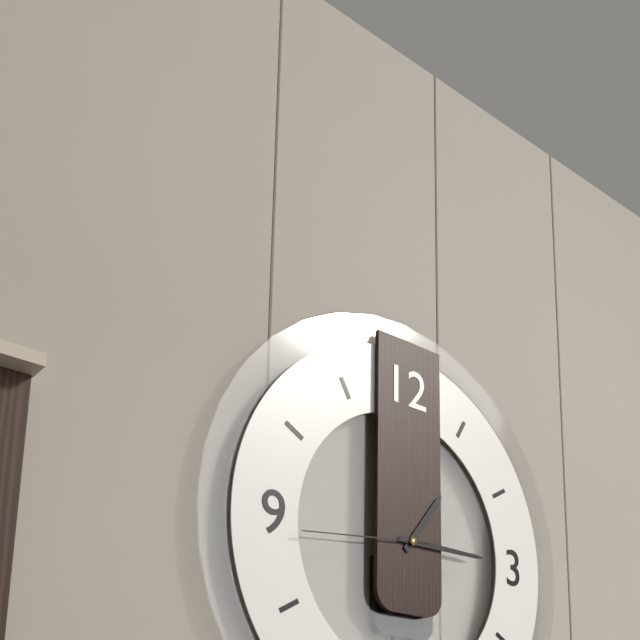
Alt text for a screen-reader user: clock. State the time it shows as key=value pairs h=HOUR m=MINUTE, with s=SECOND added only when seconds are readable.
h=1 m=15 s=44
